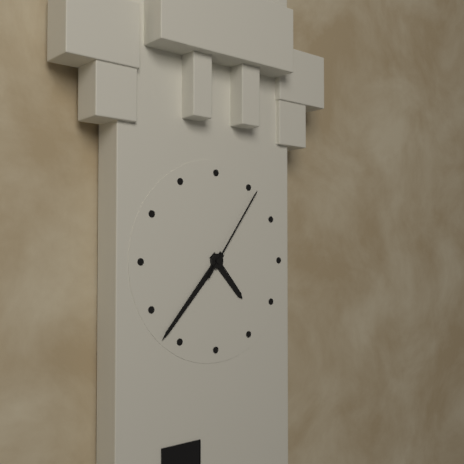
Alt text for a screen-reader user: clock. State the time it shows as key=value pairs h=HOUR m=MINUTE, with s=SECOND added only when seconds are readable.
h=4 m=37 s=6
